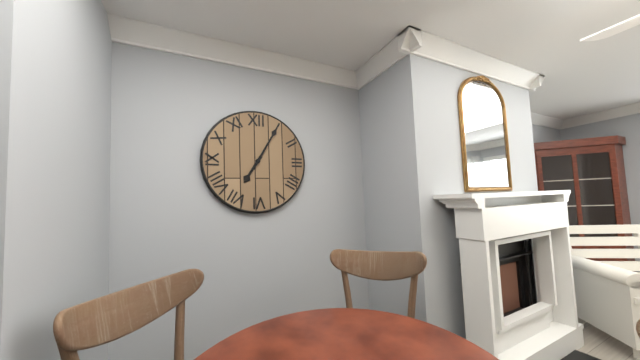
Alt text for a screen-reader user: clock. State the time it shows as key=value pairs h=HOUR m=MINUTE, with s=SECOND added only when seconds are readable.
h=7 m=5
